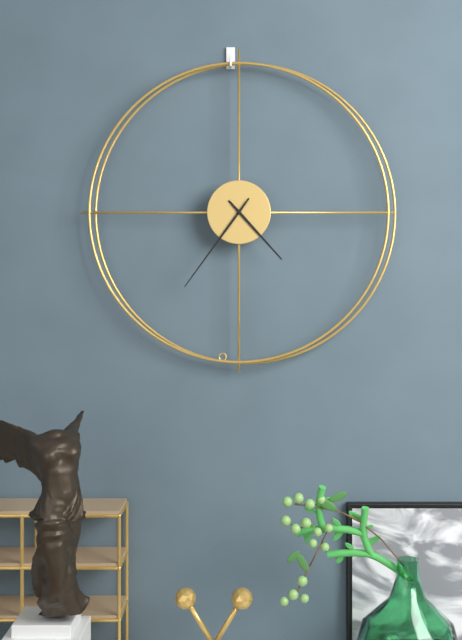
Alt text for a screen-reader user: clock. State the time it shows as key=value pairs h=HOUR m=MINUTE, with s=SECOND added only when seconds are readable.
h=4 m=36
